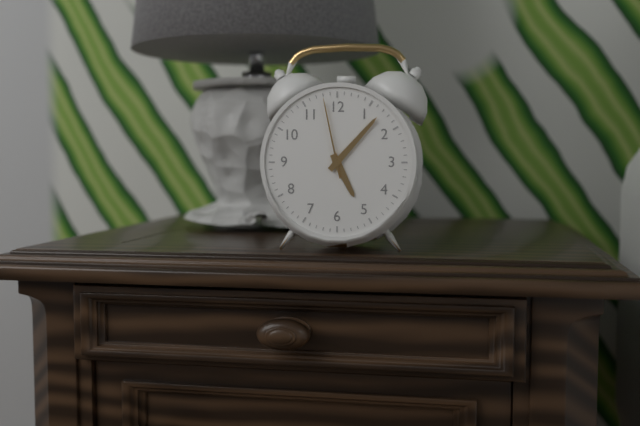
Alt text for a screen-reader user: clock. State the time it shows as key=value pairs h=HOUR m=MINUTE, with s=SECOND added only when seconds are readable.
h=5 m=7 s=58
